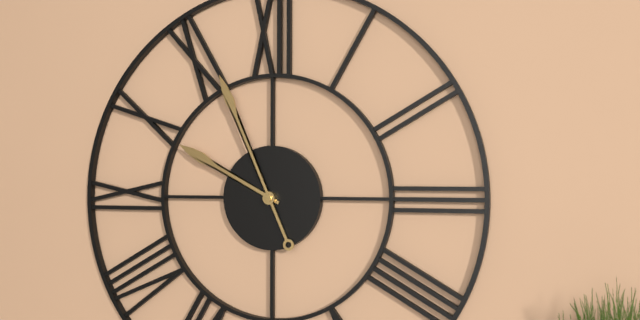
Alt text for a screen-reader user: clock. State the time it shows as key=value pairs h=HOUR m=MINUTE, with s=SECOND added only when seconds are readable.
h=9 m=56
